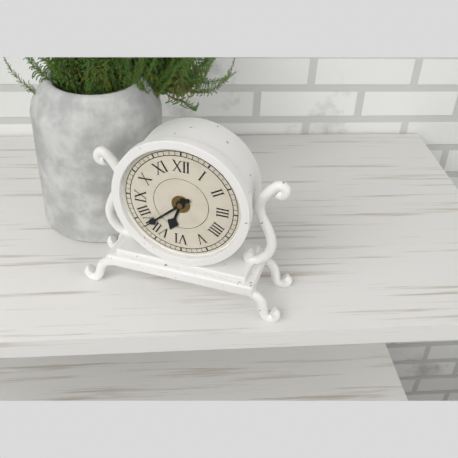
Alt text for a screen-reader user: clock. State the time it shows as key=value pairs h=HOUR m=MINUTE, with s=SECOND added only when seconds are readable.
h=6 m=38
